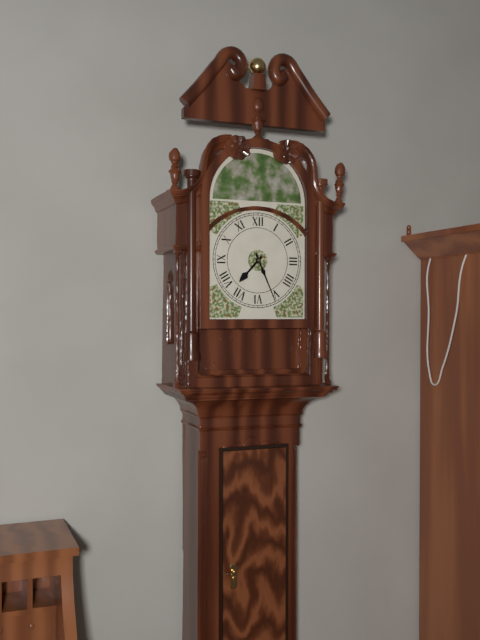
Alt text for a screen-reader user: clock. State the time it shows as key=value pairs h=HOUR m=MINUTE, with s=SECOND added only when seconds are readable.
h=7 m=26
